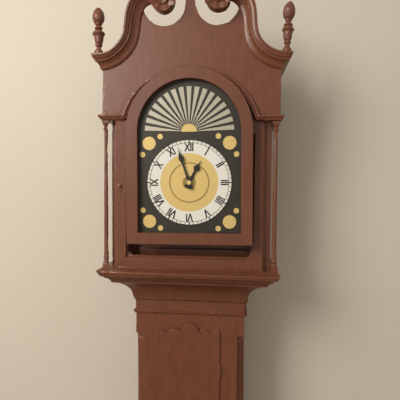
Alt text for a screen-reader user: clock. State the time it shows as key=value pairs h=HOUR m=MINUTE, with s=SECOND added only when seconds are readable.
h=12 m=57
